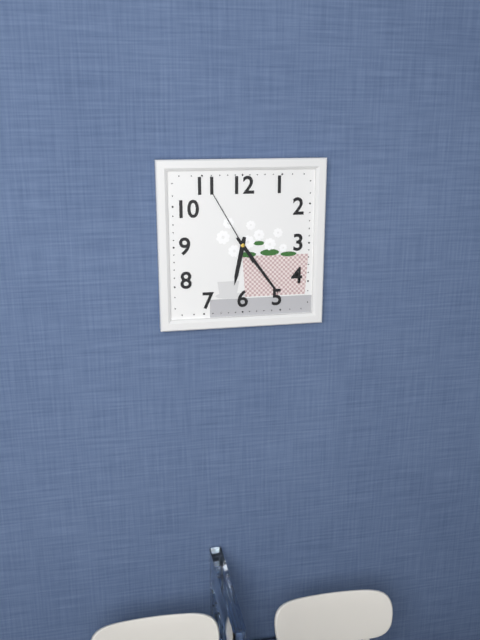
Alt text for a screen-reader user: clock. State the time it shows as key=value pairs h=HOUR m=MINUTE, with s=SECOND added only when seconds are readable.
h=6 m=24 s=55
